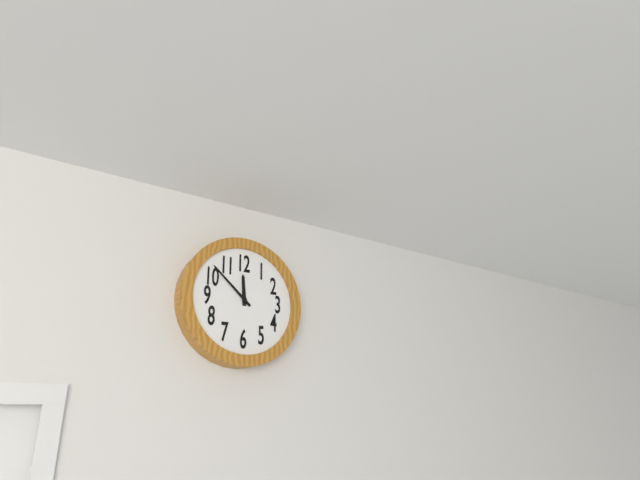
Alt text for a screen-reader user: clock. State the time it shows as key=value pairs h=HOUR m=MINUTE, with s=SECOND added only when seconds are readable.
h=11 m=52
